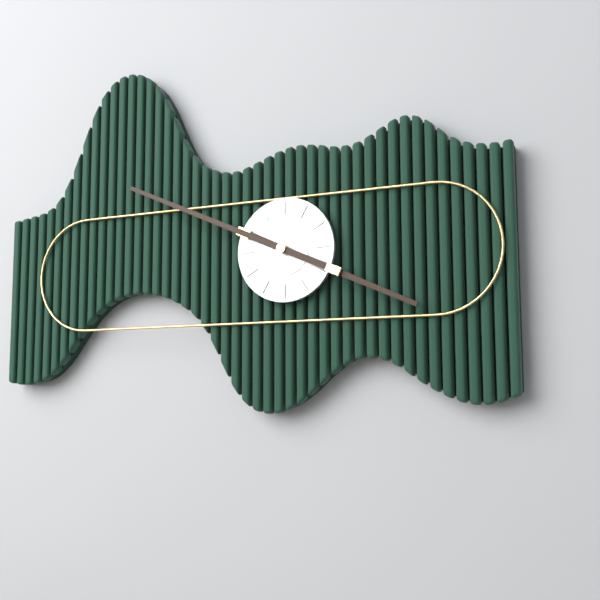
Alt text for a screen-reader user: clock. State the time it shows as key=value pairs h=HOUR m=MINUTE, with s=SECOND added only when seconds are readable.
h=3 m=49
